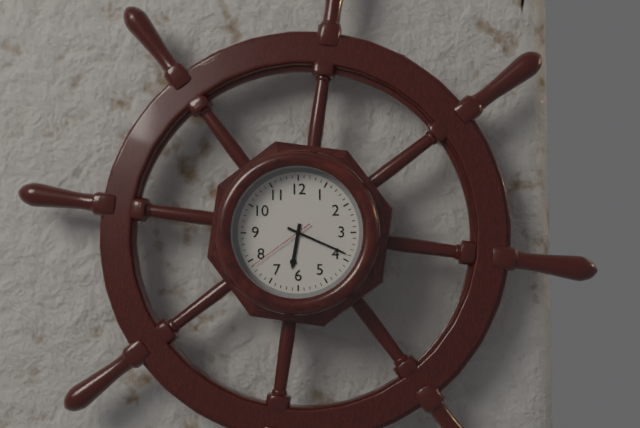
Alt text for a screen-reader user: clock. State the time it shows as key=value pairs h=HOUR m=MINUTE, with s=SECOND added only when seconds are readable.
h=6 m=19 s=39
